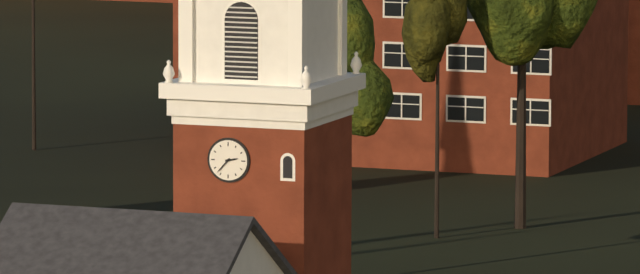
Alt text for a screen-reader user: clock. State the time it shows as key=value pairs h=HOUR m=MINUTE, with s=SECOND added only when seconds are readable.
h=2 m=37
